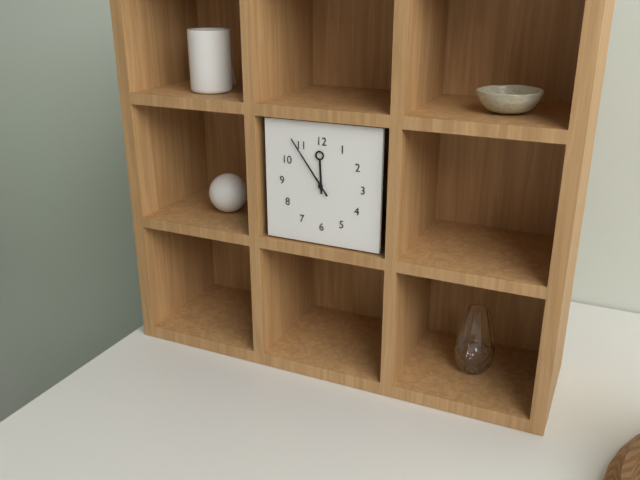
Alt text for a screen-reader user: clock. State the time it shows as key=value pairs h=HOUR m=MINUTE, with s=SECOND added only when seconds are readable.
h=11 m=54
